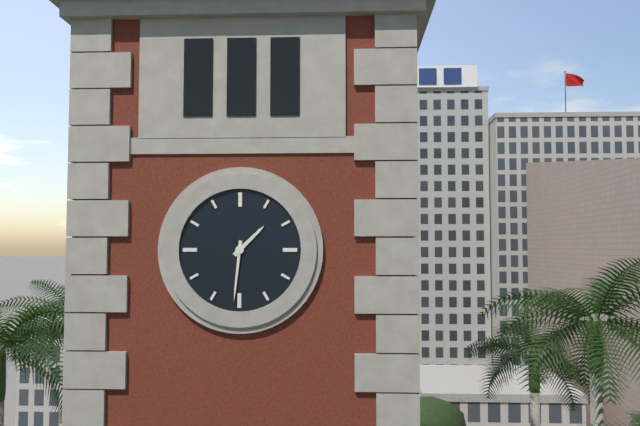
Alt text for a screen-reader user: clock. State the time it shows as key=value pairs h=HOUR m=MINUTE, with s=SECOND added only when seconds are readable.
h=1 m=31
